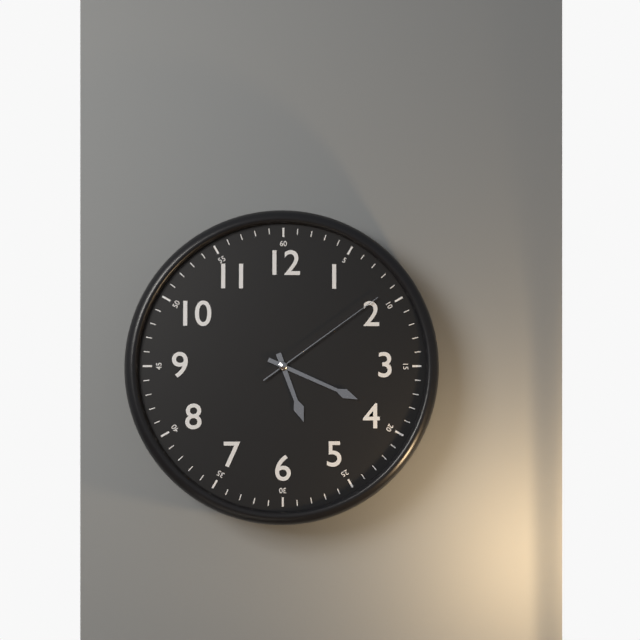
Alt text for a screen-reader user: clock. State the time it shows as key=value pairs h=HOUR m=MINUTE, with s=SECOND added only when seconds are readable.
h=5 m=19 s=9
